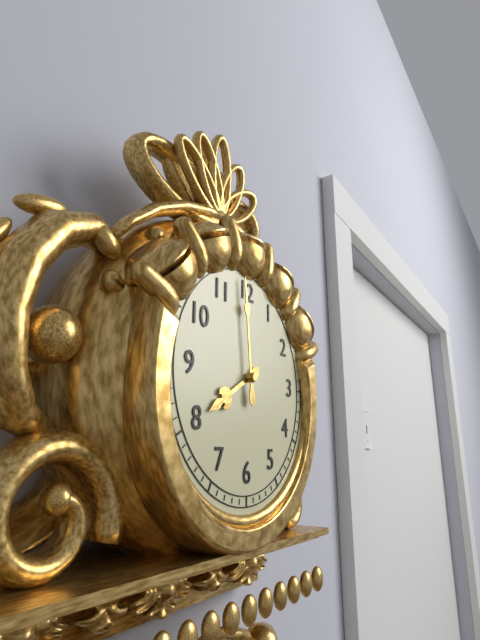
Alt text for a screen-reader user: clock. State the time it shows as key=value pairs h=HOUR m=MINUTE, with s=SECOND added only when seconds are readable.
h=7 m=59
